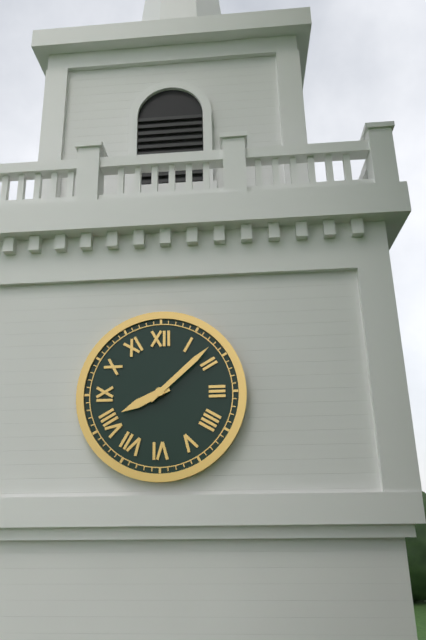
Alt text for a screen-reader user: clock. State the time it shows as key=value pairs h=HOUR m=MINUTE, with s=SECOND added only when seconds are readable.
h=8 m=8
